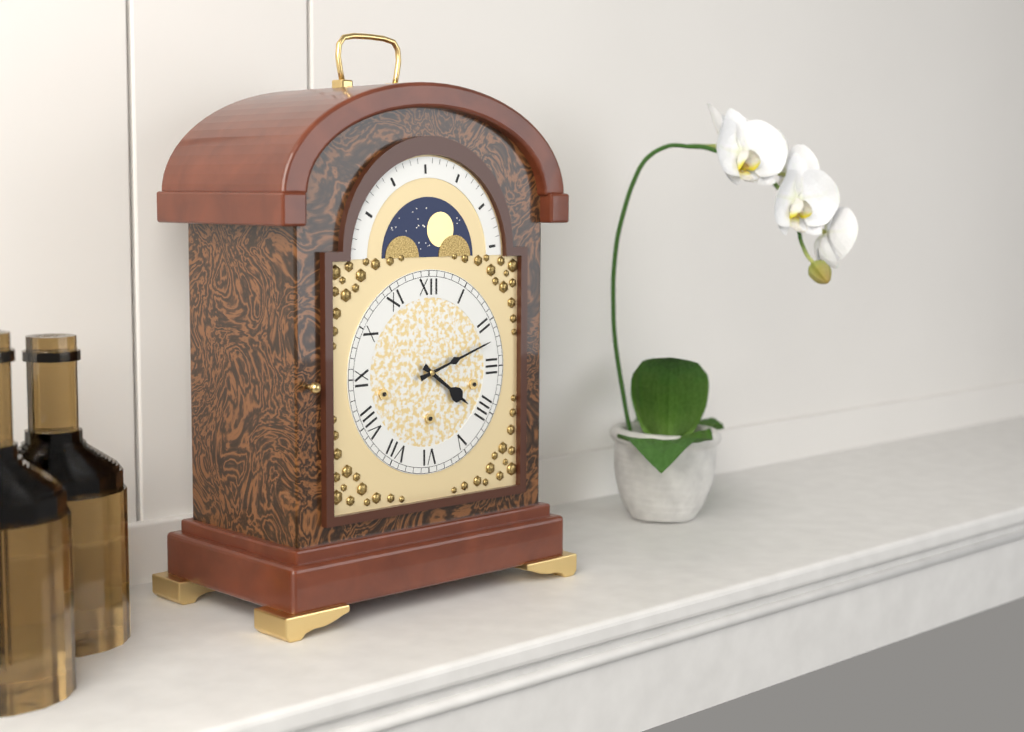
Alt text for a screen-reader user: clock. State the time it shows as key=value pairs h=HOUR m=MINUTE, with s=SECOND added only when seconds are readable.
h=4 m=12
